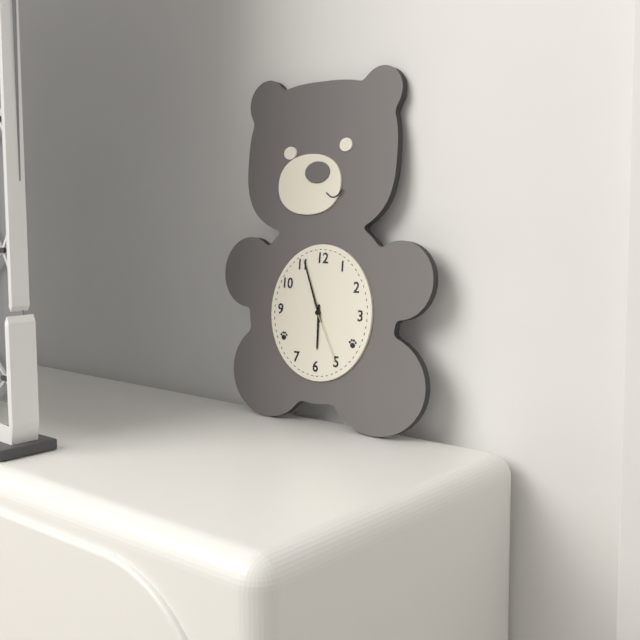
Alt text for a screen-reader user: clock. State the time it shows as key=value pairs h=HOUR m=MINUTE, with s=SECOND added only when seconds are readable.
h=5 m=56 s=25
